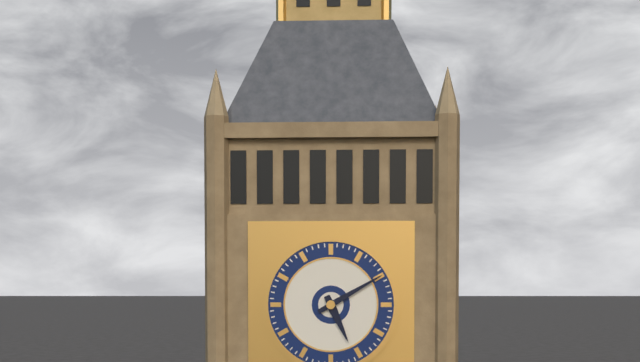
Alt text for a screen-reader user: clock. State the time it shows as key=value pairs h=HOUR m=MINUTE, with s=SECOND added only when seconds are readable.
h=5 m=10
